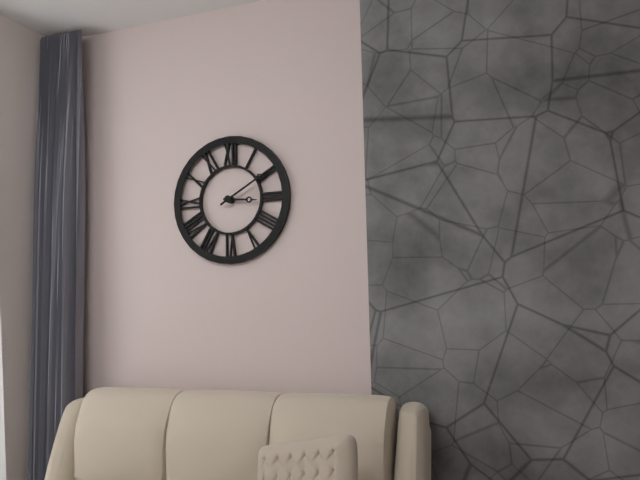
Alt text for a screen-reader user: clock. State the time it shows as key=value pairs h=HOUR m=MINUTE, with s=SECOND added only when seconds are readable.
h=3 m=10
